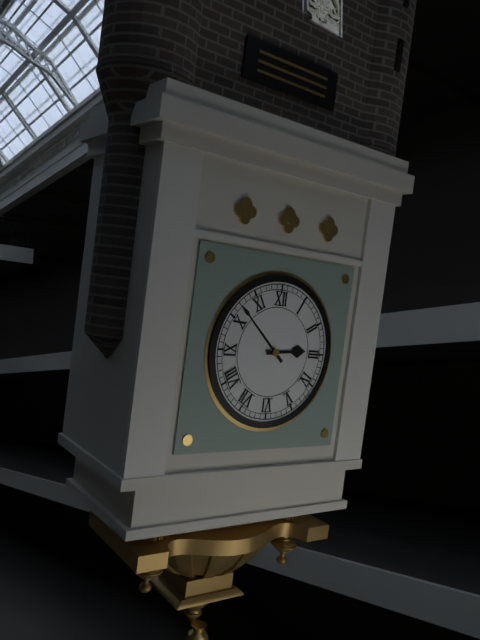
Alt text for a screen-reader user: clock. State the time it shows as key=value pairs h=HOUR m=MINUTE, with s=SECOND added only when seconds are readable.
h=2 m=52
